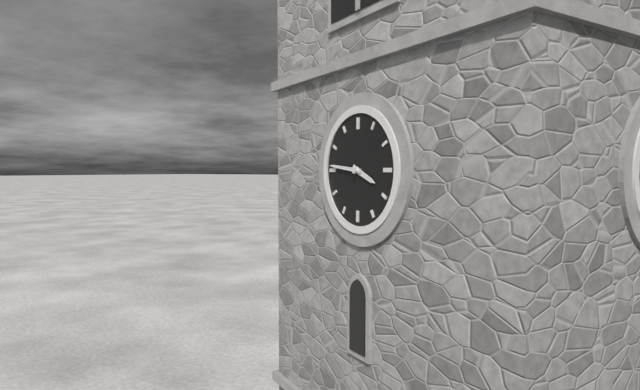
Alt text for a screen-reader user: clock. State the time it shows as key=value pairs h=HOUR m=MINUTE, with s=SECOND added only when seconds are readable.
h=3 m=46
